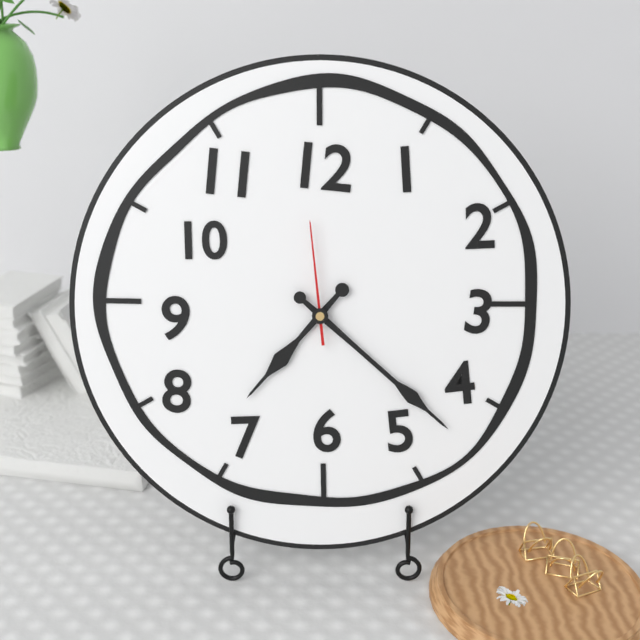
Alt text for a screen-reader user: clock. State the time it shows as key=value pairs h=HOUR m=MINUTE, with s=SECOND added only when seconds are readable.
h=7 m=22 s=59
